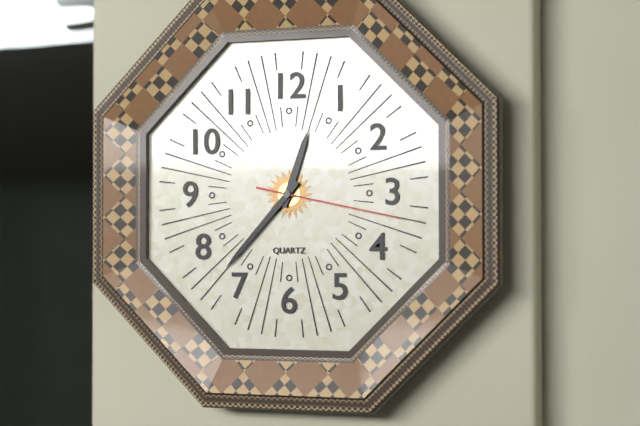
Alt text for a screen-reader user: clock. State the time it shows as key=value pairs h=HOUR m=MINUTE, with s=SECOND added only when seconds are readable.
h=12 m=37 s=17
